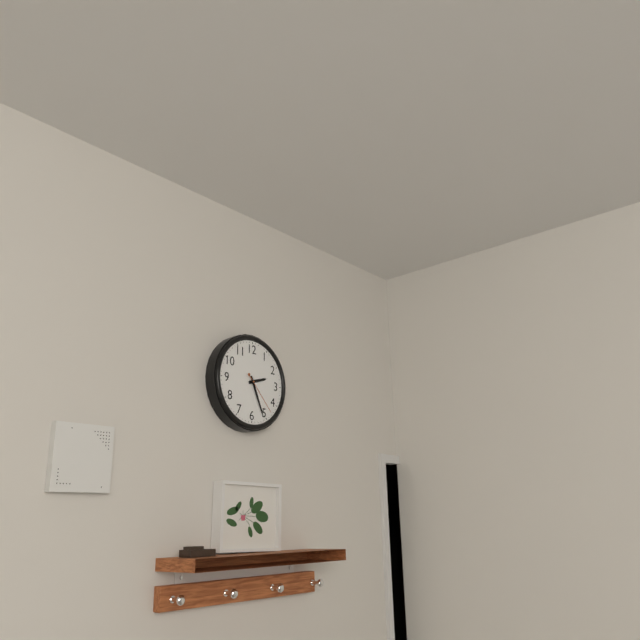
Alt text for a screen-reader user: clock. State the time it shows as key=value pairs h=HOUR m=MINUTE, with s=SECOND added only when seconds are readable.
h=2 m=26
